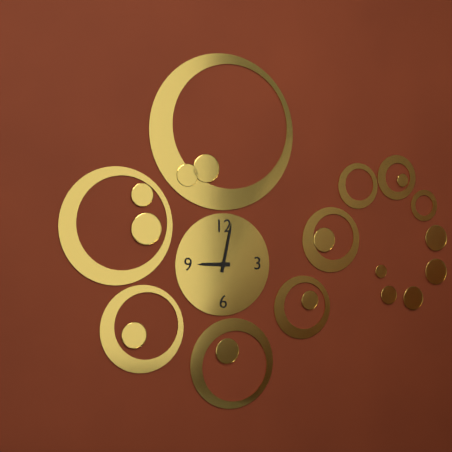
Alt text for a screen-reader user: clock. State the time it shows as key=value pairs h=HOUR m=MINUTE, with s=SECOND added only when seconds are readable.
h=9 m=2
